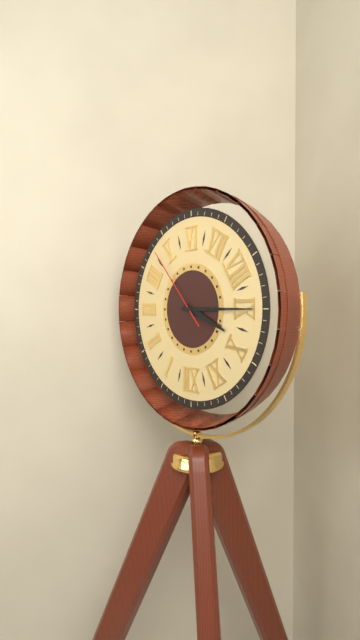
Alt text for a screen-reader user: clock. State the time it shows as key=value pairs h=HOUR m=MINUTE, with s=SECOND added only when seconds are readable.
h=9 m=45 s=23
